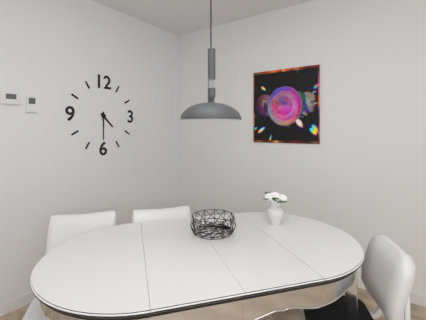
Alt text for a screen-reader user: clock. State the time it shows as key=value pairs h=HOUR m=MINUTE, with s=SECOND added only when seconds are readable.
h=4 m=30
